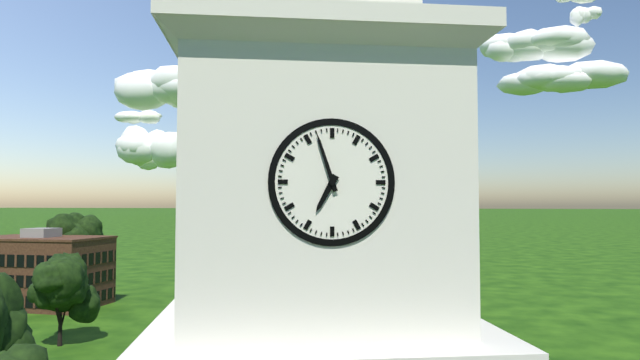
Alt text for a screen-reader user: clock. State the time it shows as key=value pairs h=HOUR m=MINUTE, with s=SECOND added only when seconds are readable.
h=6 m=57
